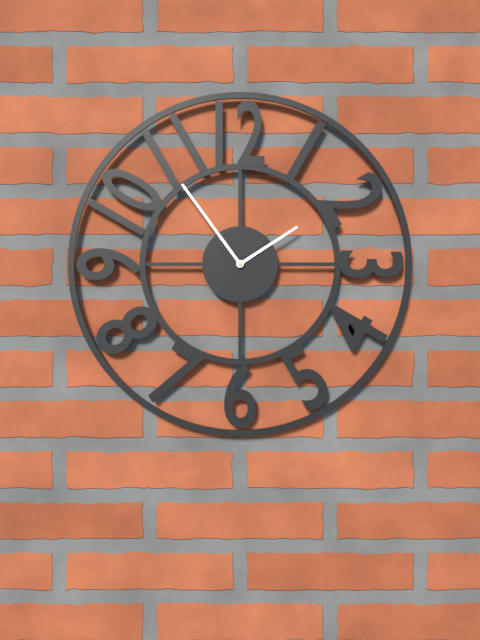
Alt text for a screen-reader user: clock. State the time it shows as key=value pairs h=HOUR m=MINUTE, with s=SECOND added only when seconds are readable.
h=1 m=54
